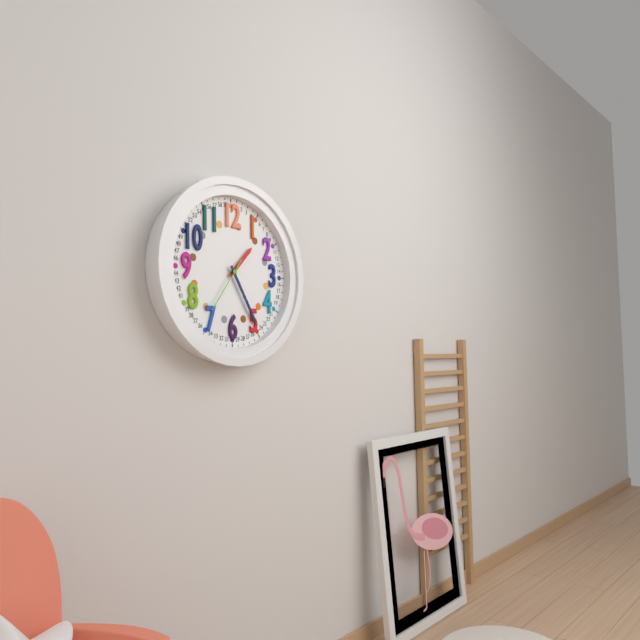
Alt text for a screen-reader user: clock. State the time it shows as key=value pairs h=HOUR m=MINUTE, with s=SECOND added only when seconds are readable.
h=1 m=25 s=36
